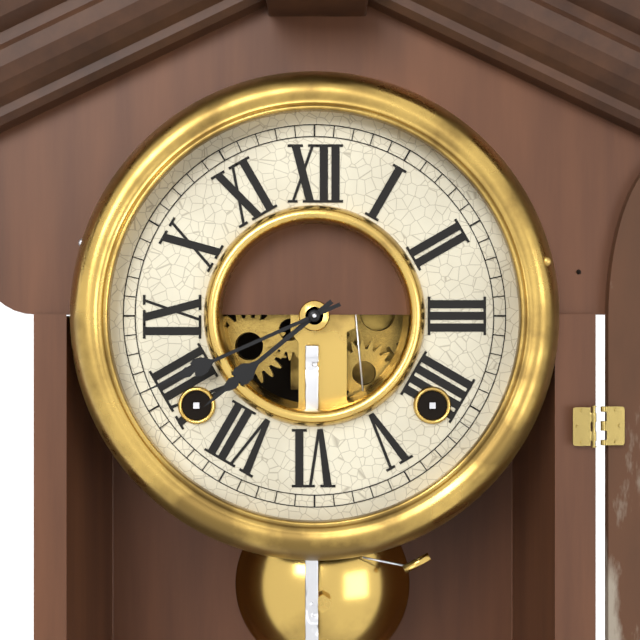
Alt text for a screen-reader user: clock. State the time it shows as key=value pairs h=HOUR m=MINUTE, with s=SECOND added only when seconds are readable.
h=7 m=41
